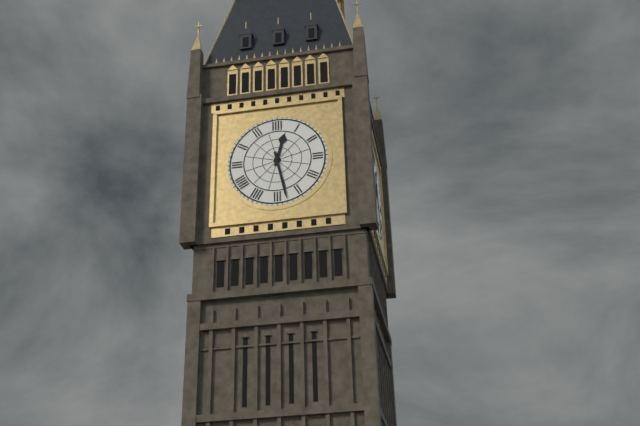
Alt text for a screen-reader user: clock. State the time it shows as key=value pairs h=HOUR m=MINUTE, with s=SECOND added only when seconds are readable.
h=12 m=28
